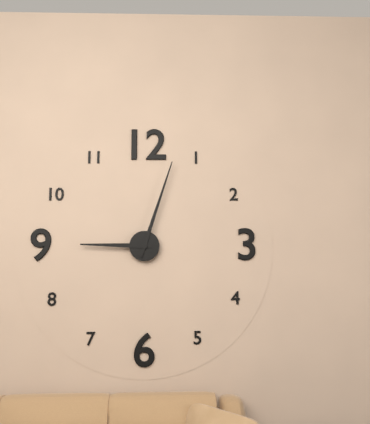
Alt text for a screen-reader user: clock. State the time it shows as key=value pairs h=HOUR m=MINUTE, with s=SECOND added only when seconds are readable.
h=9 m=3
